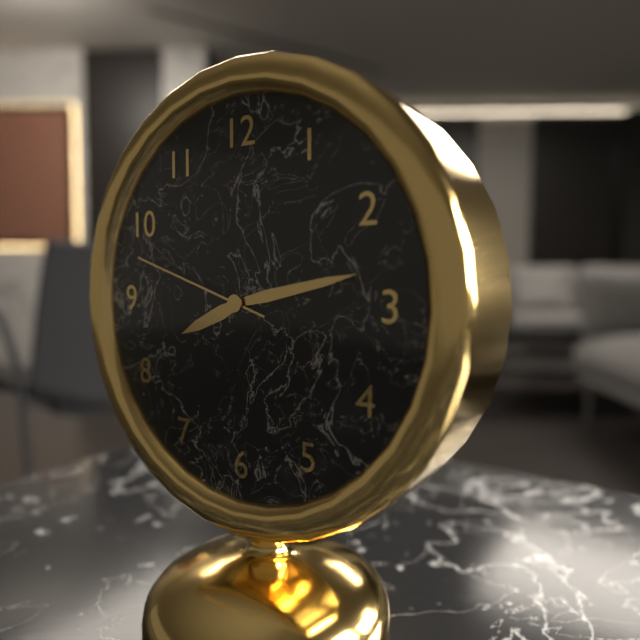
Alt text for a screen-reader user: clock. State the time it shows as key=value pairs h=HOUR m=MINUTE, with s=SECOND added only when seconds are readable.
h=8 m=13 s=48
